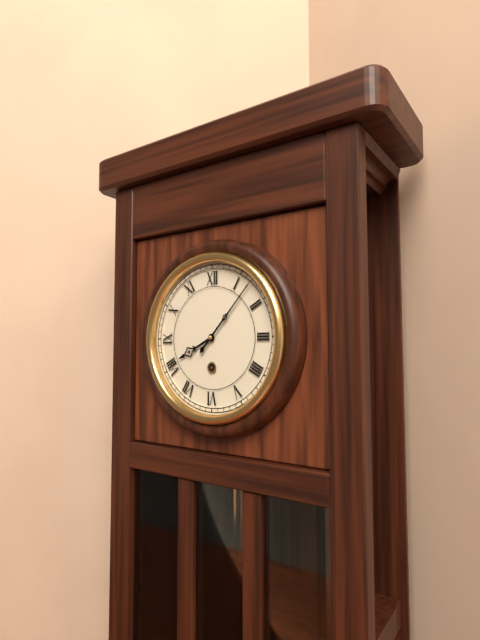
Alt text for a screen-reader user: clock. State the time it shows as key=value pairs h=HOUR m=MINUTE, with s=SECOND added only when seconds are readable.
h=8 m=7
